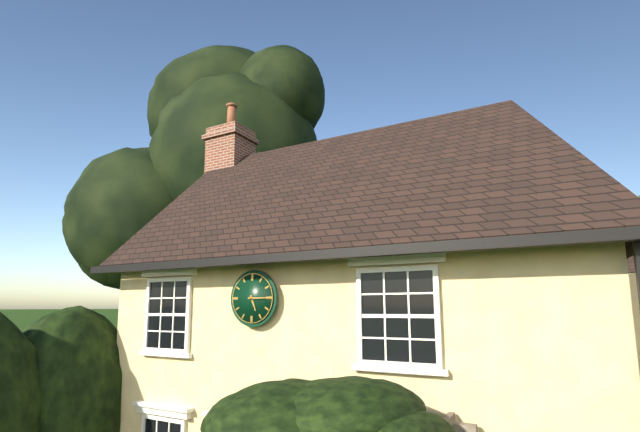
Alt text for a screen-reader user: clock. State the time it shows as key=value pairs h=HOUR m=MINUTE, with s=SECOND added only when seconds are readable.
h=5 m=15
